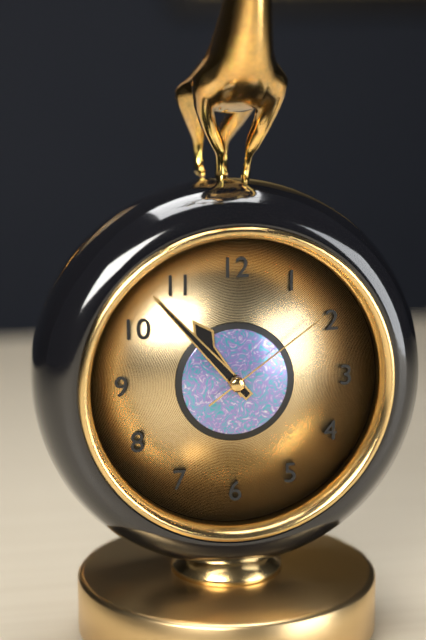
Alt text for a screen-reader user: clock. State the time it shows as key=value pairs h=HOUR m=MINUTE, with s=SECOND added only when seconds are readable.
h=10 m=53 s=9
